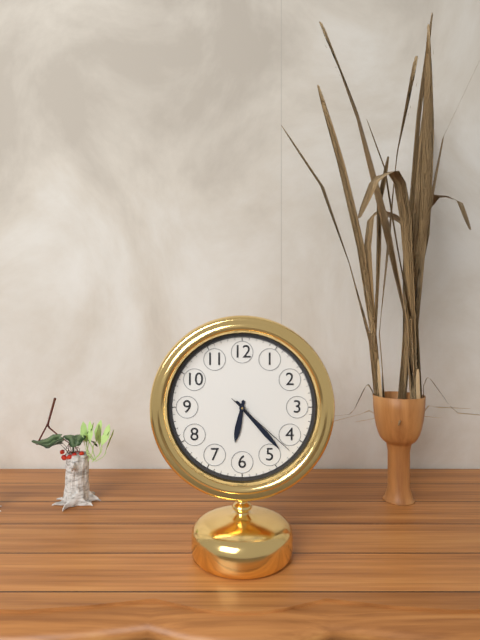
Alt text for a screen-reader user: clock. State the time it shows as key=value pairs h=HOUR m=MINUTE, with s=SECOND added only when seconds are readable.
h=6 m=23 s=22
